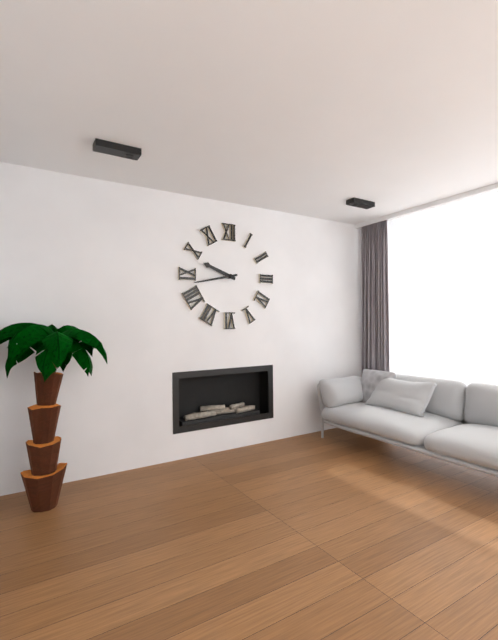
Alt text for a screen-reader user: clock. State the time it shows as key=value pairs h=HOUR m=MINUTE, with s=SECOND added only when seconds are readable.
h=9 m=43
